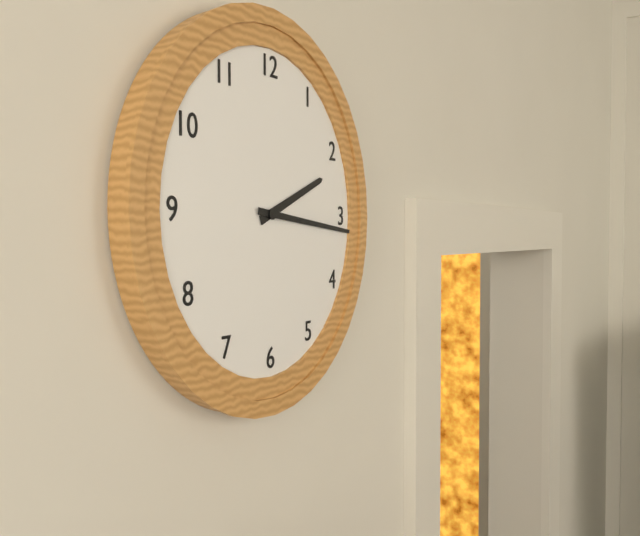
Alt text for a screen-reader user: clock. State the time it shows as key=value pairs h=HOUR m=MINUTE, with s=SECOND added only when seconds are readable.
h=2 m=16
